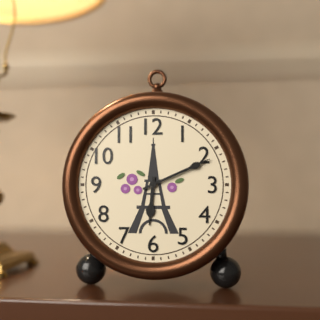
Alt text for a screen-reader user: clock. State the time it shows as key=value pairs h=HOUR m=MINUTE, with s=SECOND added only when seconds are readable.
h=6 m=11
